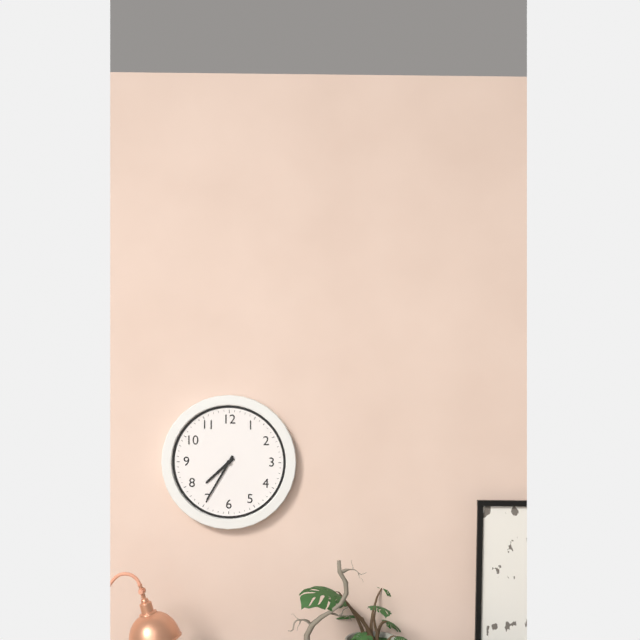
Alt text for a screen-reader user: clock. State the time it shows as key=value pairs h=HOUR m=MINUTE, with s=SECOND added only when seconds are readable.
h=7 m=35
